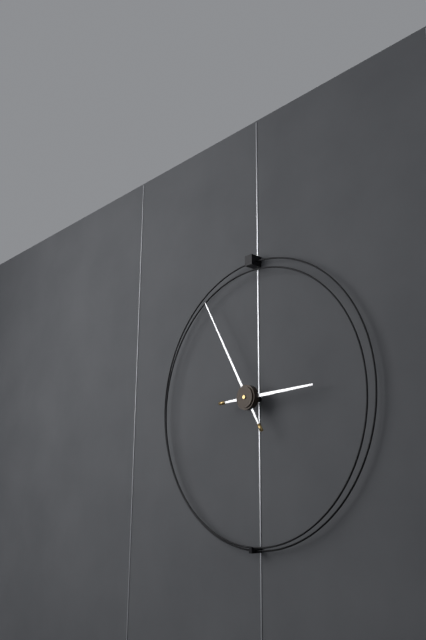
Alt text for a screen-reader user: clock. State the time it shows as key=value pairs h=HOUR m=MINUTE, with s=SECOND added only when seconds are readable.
h=2 m=55
